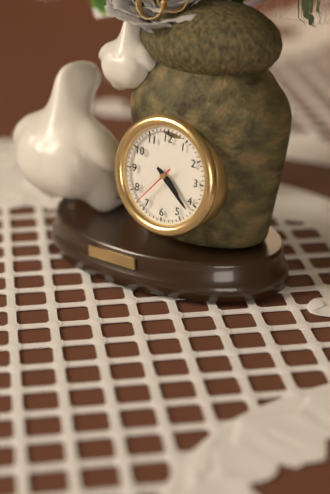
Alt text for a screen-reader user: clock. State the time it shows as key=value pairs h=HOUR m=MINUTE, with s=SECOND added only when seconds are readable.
h=4 m=22
